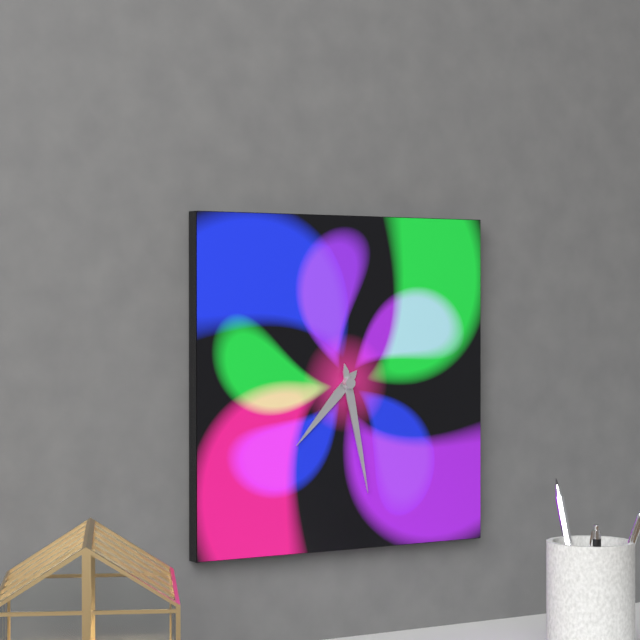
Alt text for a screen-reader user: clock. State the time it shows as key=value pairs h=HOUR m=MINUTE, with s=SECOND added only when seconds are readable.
h=7 m=28
